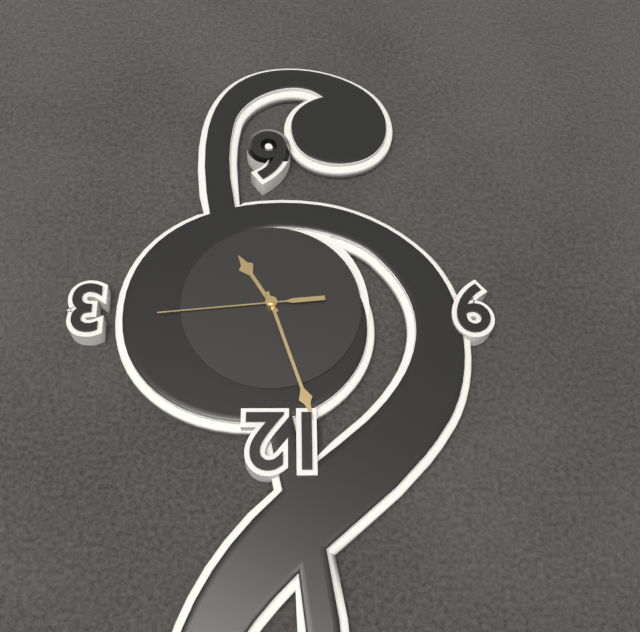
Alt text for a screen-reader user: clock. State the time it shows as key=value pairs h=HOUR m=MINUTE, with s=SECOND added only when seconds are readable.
h=4 m=57 s=14
